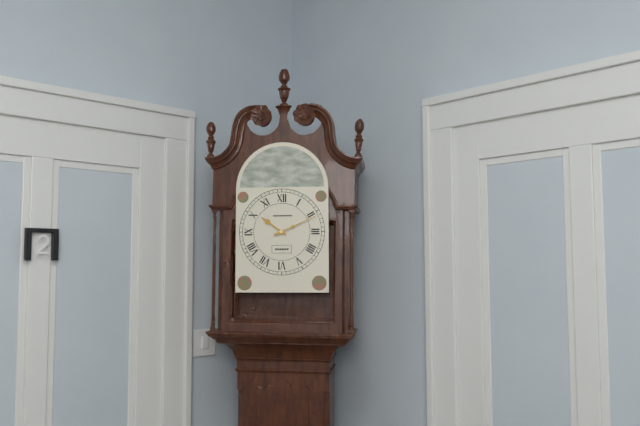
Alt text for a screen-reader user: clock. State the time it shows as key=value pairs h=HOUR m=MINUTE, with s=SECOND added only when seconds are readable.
h=10 m=11
